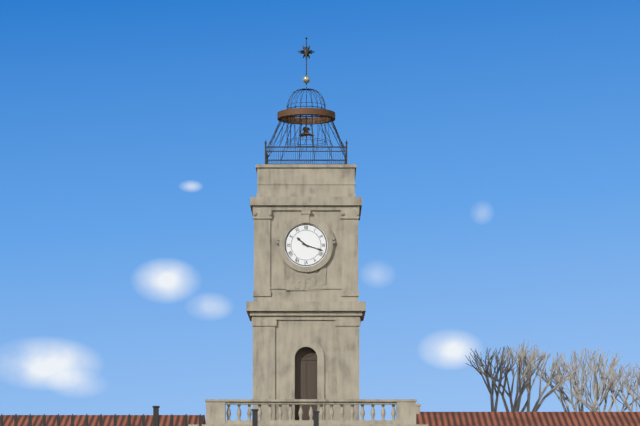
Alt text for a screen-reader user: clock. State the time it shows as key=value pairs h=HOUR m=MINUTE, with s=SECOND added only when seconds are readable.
h=10 m=18
